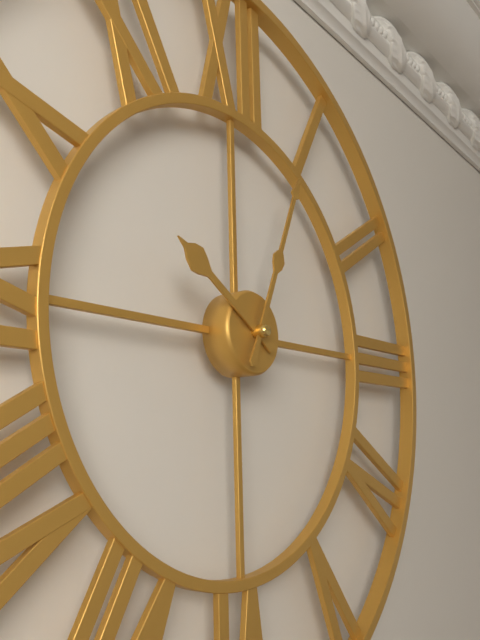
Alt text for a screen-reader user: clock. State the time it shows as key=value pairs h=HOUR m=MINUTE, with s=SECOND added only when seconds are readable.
h=10 m=4
